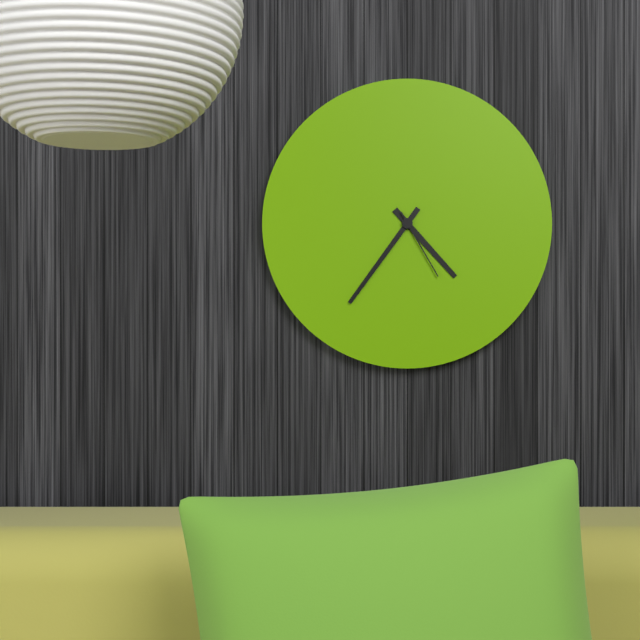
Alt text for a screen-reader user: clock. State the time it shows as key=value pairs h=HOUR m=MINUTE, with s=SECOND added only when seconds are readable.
h=4 m=36 s=25
